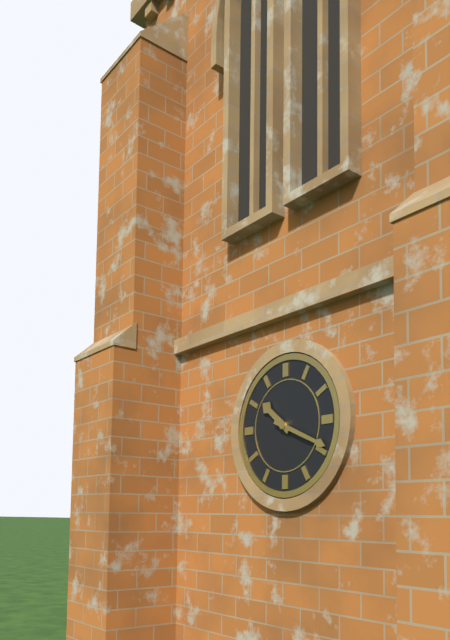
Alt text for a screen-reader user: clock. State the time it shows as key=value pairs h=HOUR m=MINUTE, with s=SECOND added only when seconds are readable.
h=10 m=19
